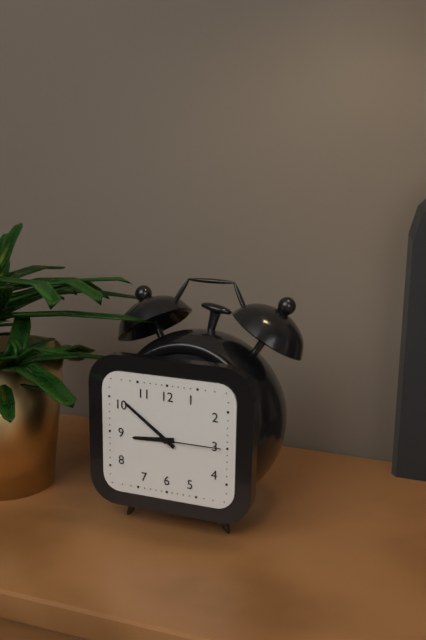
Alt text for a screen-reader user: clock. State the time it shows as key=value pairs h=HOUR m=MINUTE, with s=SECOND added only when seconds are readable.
h=8 m=51 s=15
